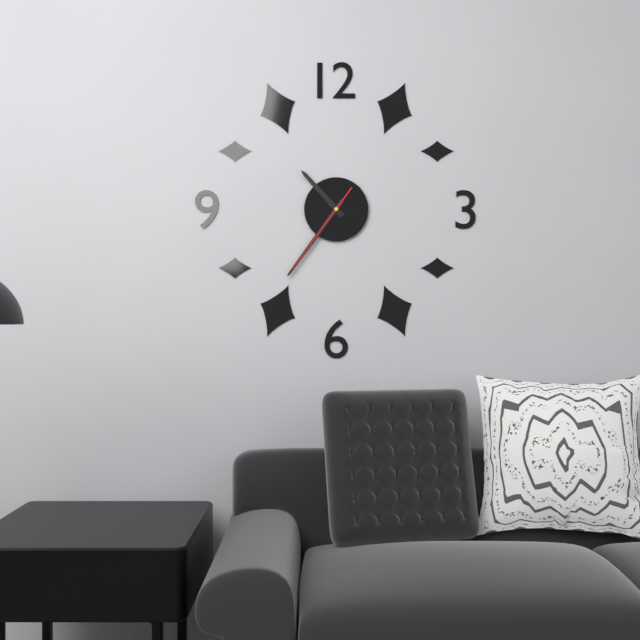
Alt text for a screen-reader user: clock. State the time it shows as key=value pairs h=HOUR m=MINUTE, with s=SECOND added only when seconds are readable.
h=10 m=36 s=36
